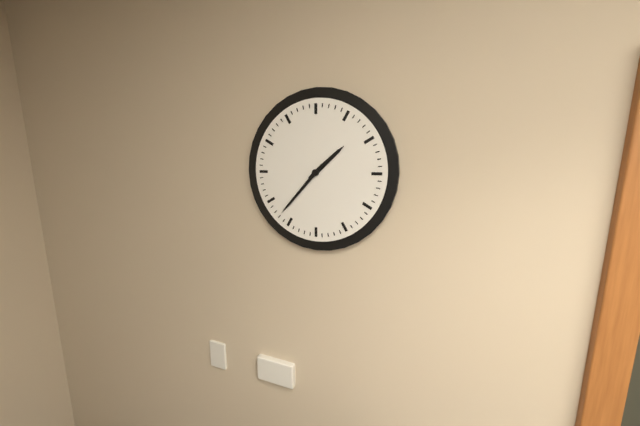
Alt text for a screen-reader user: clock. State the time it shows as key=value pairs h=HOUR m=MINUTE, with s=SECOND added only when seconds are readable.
h=1 m=37
